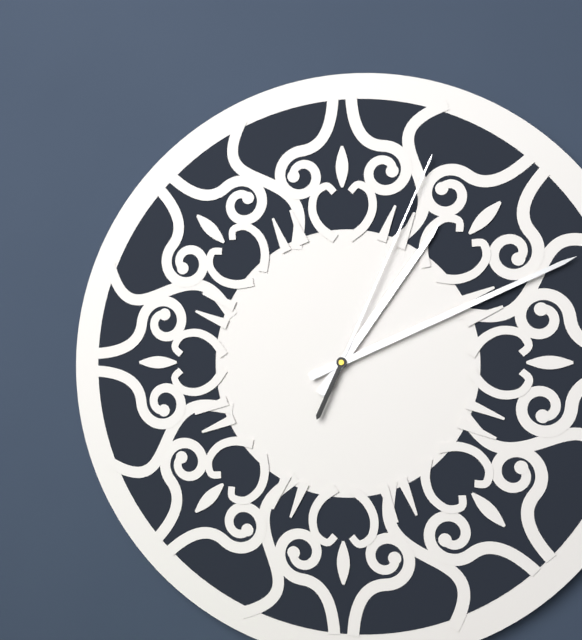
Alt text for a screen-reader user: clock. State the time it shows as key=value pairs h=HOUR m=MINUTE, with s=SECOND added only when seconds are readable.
h=1 m=11 s=4
